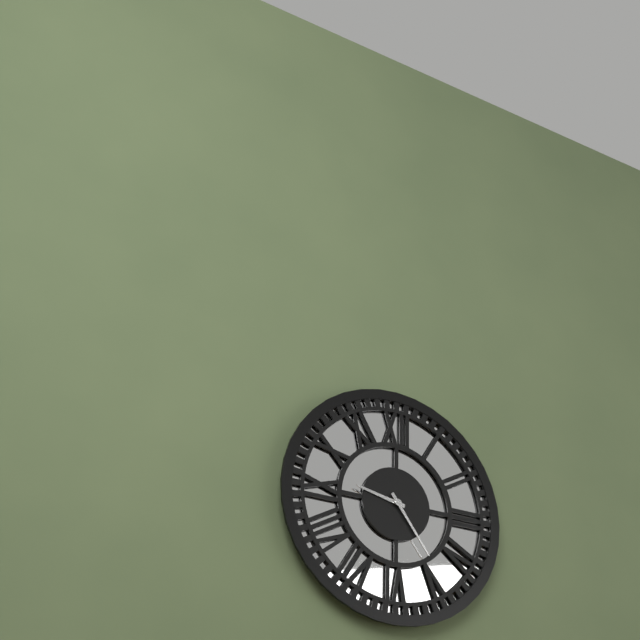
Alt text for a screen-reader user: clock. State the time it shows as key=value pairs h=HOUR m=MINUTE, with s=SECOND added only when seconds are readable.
h=9 m=24
